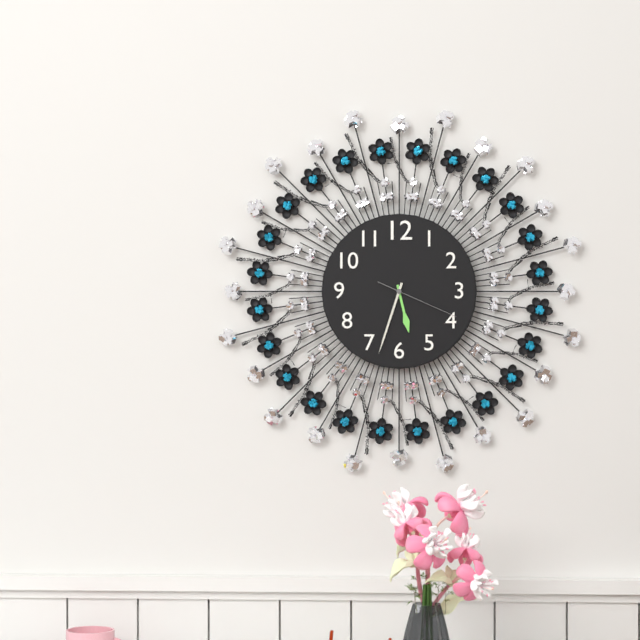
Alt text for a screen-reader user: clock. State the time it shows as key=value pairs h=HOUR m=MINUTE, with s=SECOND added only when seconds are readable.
h=5 m=33 s=19
